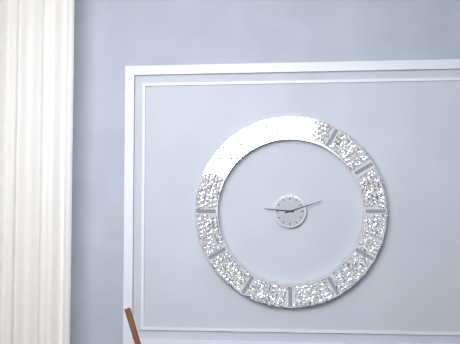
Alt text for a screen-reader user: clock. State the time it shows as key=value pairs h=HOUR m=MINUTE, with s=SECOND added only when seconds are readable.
h=9 m=12
